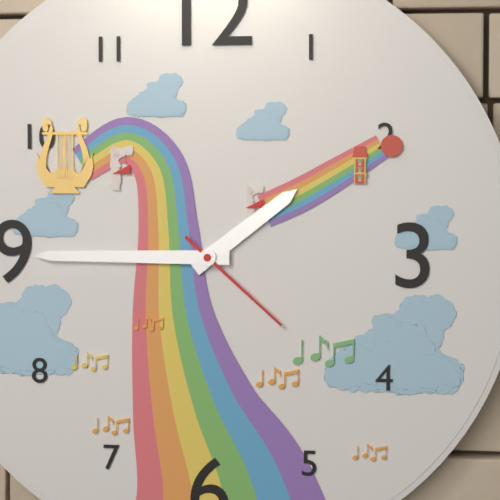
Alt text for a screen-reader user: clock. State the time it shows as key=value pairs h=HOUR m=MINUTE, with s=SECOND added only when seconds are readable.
h=1 m=45 s=22
